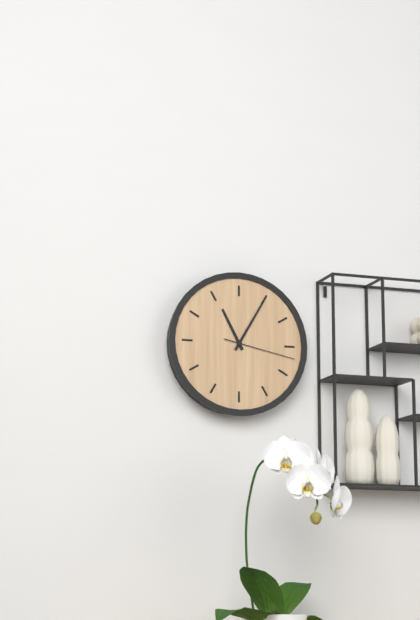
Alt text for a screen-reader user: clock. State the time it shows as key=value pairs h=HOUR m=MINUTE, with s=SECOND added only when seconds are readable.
h=11 m=5 s=17
